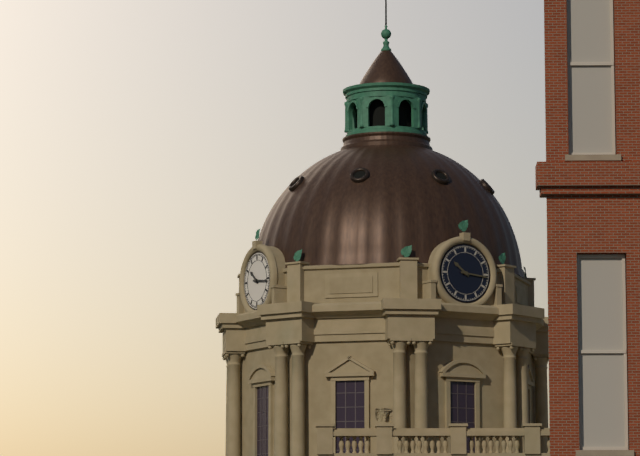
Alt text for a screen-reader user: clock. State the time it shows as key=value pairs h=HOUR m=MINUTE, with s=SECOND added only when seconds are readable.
h=10 m=16
